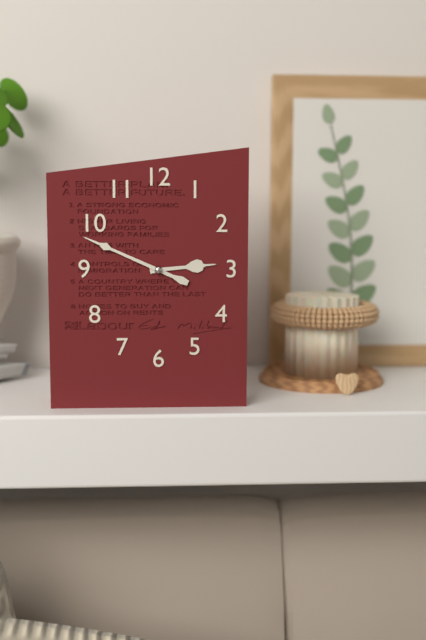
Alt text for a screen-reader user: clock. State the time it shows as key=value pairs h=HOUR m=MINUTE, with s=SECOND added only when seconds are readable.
h=2 m=49
